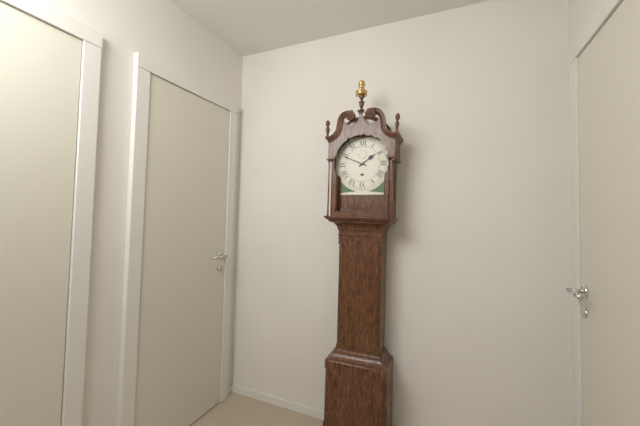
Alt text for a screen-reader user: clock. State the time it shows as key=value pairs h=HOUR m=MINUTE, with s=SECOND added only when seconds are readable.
h=1 m=49
